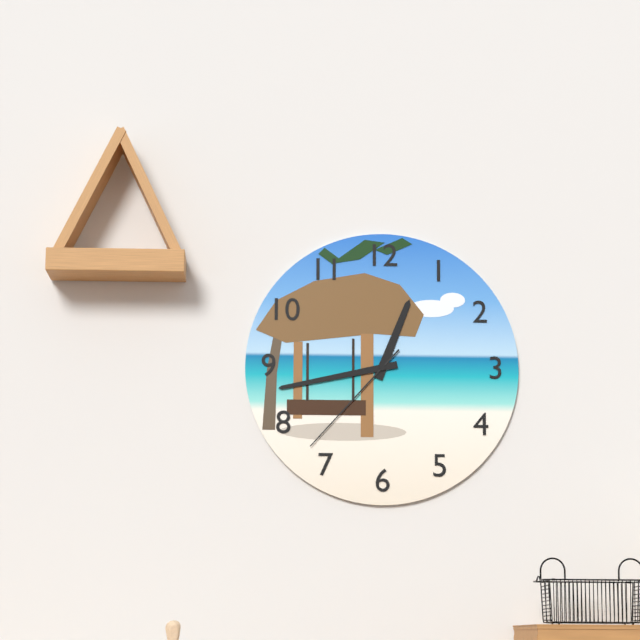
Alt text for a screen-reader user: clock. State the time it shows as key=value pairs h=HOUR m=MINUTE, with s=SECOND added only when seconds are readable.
h=12 m=43 s=37
